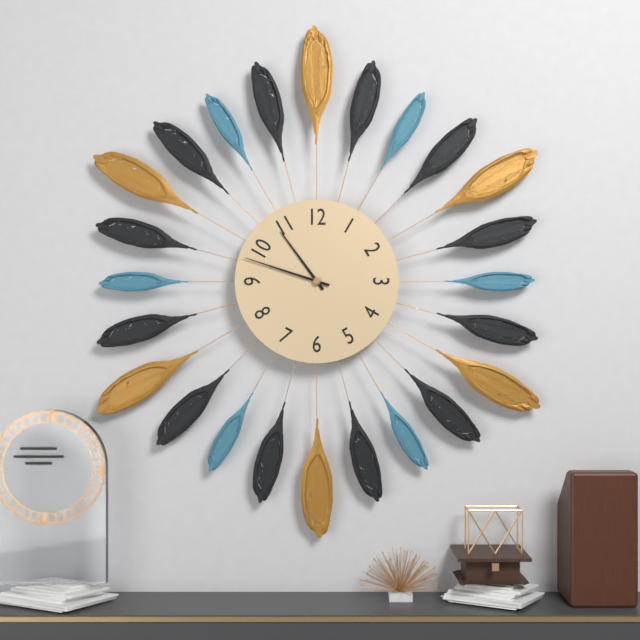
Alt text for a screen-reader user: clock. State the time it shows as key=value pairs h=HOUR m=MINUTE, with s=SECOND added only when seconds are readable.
h=10 m=48
